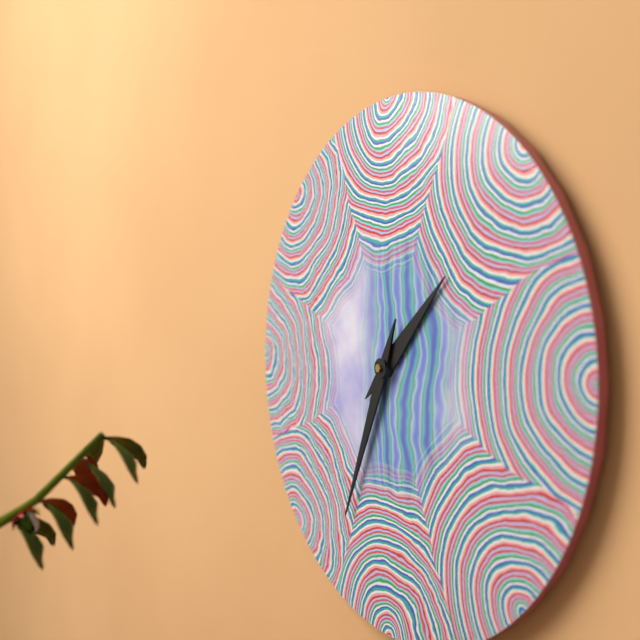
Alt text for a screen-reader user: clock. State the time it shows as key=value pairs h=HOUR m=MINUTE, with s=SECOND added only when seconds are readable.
h=1 m=34
